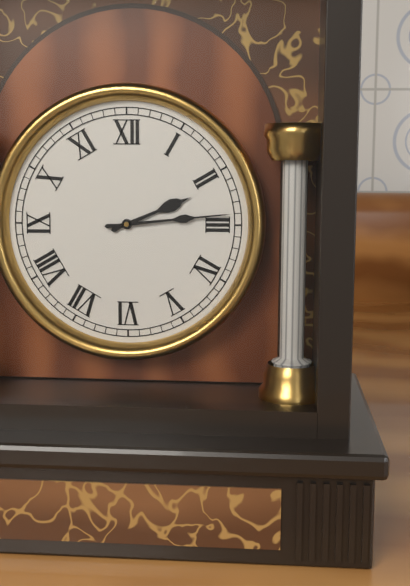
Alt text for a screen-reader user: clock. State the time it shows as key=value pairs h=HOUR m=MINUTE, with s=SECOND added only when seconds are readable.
h=2 m=14
